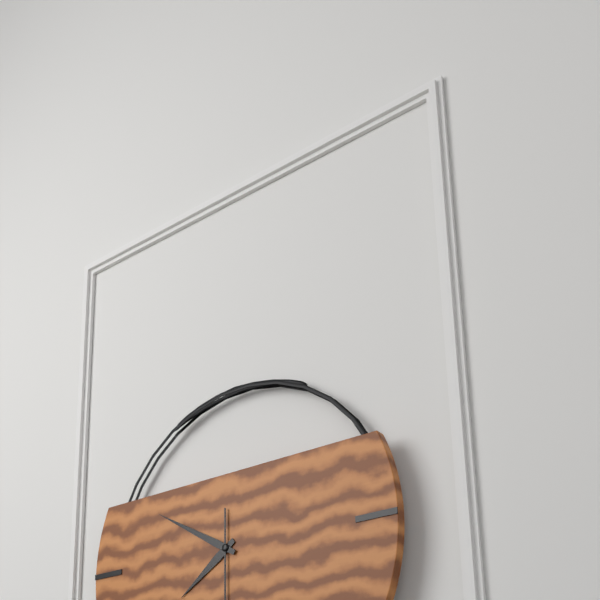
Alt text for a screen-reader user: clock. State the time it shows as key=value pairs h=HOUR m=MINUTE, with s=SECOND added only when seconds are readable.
h=7 m=50
